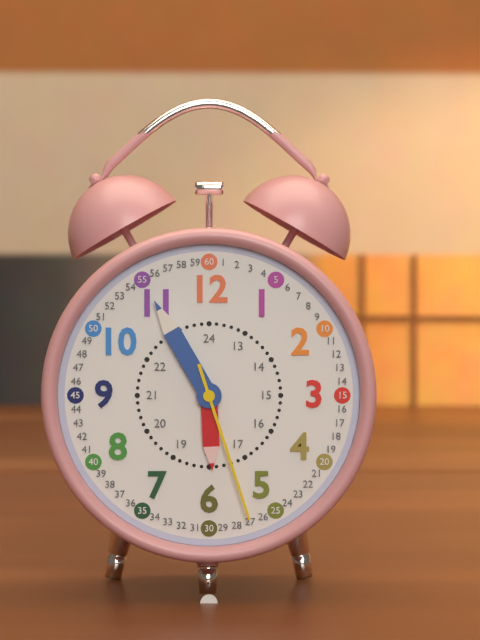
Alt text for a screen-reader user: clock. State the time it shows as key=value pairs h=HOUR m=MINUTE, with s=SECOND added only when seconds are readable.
h=5 m=55 s=27
